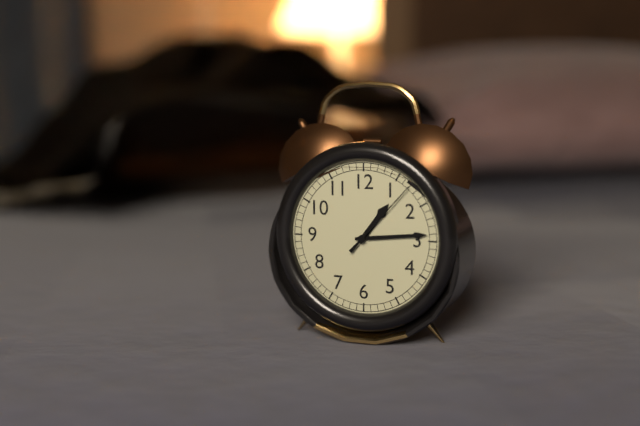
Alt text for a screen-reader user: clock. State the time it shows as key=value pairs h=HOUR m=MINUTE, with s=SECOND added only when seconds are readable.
h=1 m=14 s=7
